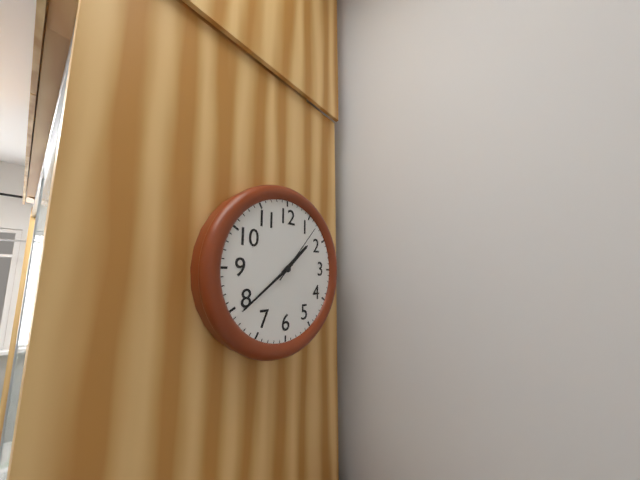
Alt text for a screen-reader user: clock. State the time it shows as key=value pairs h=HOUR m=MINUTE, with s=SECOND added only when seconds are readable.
h=1 m=39 s=7
